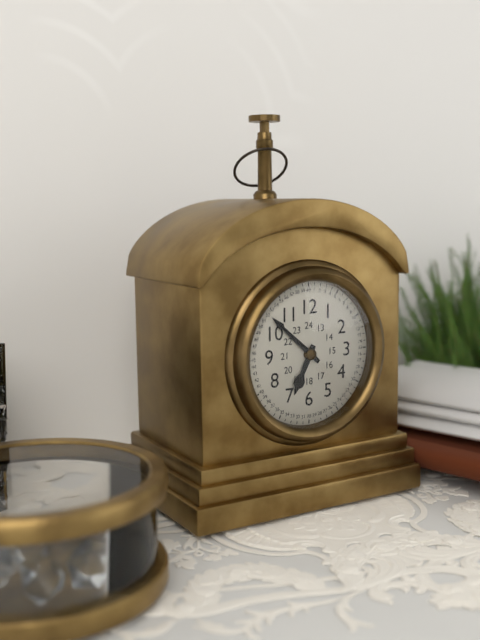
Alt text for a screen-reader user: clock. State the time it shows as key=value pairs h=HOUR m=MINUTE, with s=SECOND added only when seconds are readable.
h=6 m=52
